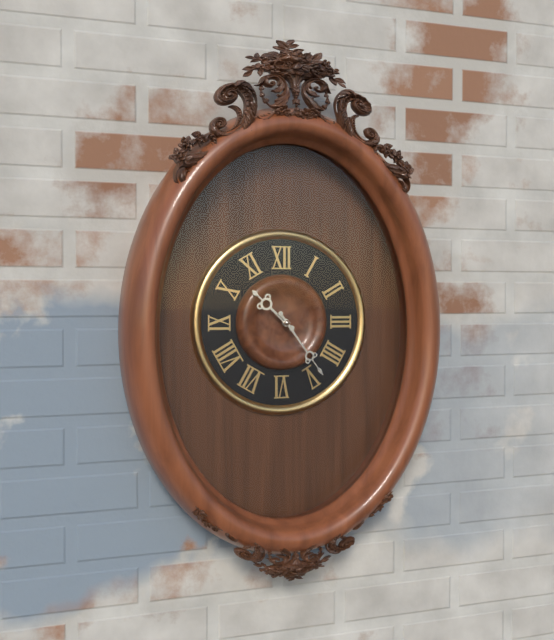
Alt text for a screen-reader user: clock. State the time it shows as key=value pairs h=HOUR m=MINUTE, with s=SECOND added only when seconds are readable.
h=10 m=24
